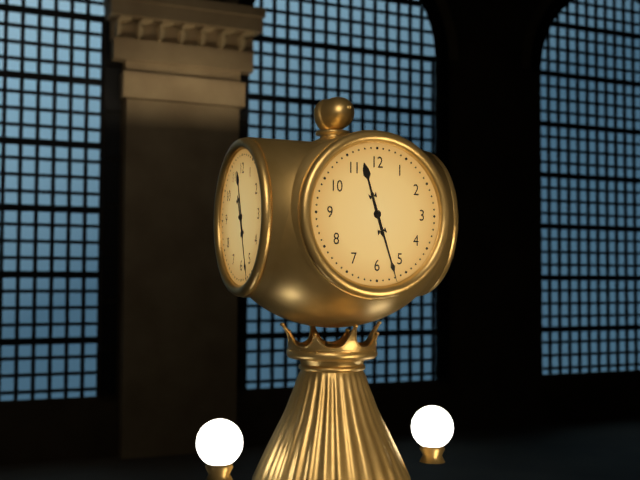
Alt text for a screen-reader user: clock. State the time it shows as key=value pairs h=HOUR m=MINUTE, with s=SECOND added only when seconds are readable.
h=11 m=27
